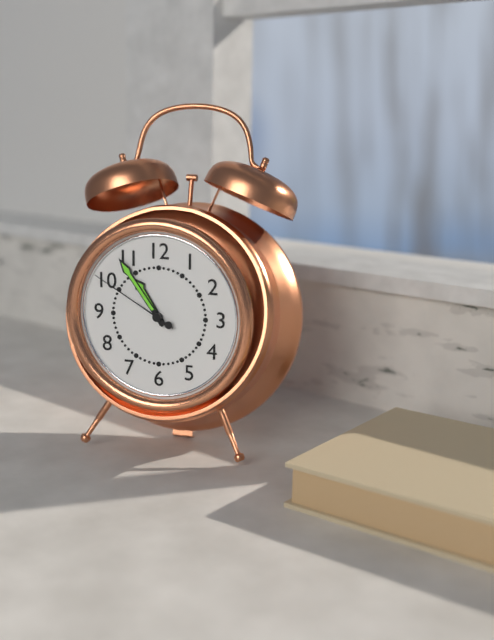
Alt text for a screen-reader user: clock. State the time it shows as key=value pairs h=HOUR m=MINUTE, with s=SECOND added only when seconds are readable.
h=10 m=54 s=50
